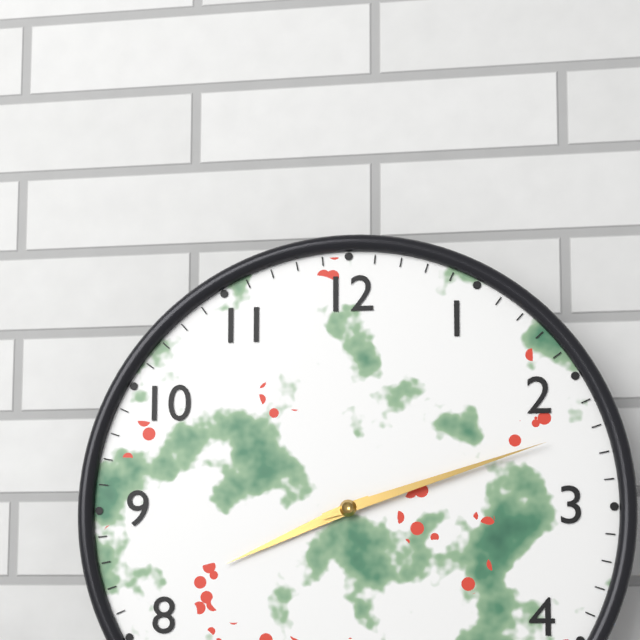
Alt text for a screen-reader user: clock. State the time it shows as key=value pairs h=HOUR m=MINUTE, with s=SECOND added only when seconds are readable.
h=8 m=12
